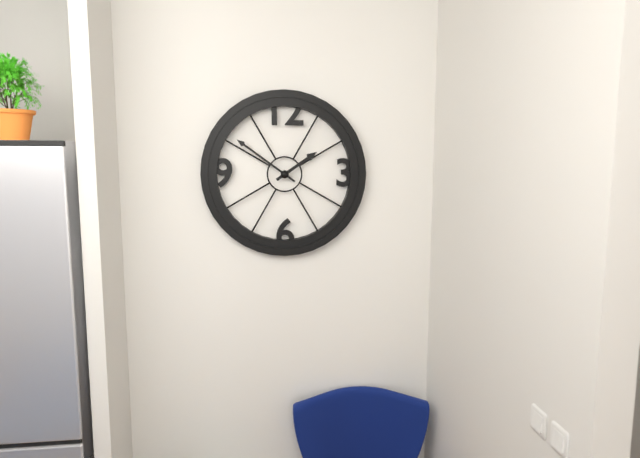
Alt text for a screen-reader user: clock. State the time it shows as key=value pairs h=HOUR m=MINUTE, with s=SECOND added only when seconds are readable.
h=1 m=51
